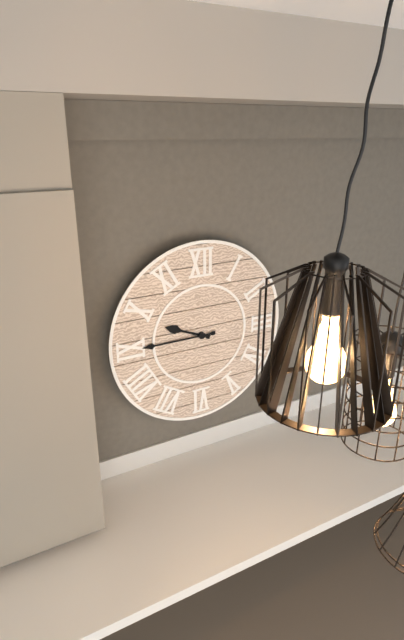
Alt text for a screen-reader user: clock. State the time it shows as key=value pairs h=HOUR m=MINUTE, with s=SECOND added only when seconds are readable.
h=9 m=45
